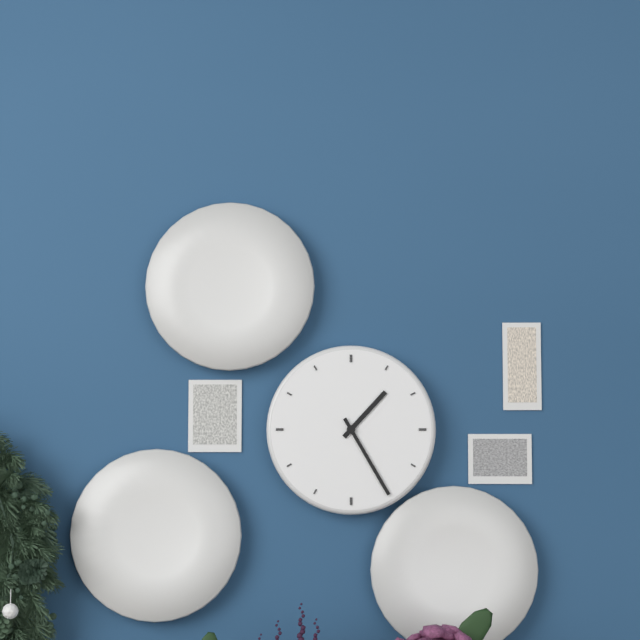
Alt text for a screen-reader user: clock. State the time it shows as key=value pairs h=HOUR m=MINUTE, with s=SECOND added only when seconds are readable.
h=1 m=25
